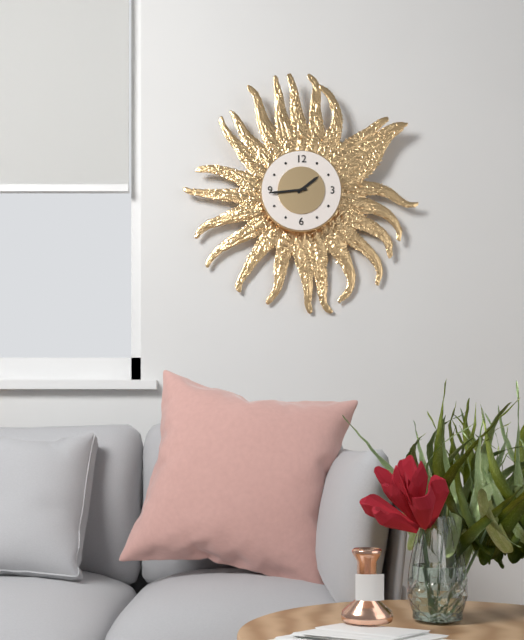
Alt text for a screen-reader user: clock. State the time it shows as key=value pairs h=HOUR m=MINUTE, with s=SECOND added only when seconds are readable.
h=1 m=44
